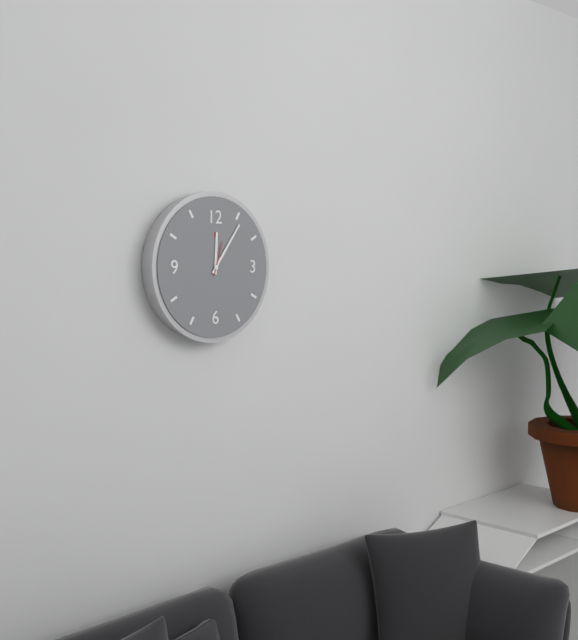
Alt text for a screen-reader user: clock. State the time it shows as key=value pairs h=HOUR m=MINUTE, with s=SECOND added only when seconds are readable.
h=12 m=6
